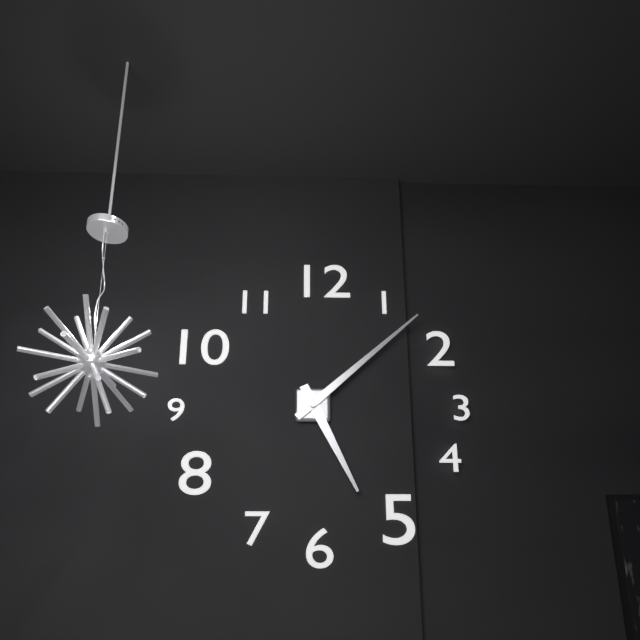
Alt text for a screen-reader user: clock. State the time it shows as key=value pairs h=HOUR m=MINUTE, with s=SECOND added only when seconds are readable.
h=5 m=8
